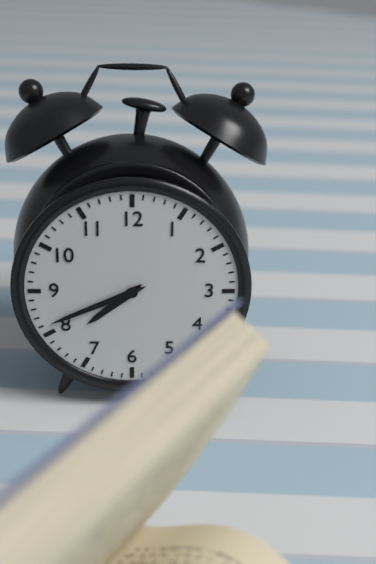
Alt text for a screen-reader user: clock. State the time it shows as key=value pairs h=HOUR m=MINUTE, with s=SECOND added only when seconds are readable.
h=7 m=41
